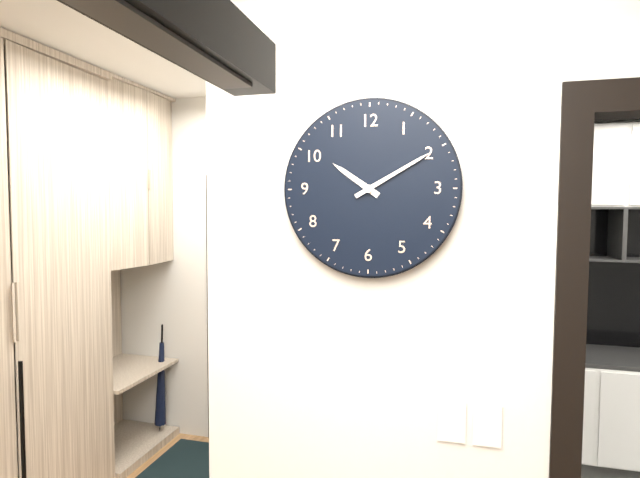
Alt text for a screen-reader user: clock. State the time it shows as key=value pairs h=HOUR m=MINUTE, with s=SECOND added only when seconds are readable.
h=10 m=10
